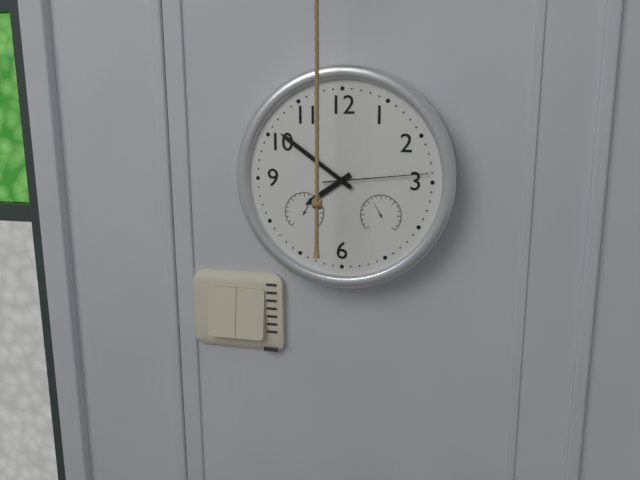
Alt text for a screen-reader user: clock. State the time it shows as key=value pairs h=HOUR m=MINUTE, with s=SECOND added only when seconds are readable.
h=7 m=51 s=14
